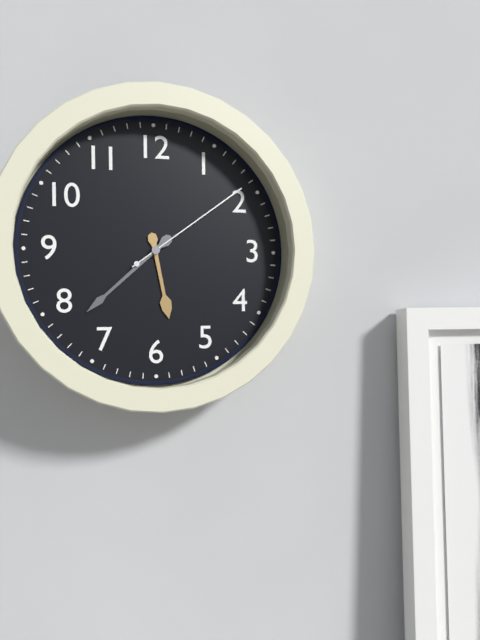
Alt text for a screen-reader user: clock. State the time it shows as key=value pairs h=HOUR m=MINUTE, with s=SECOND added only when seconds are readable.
h=5 m=38 s=9
